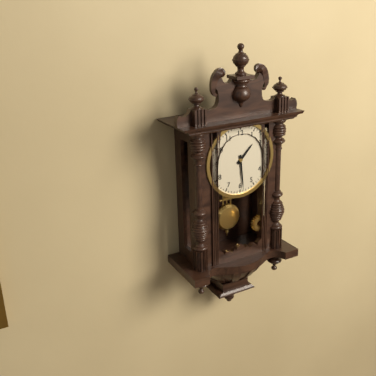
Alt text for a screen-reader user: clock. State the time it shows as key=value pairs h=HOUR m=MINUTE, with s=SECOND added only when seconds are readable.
h=1 m=29
